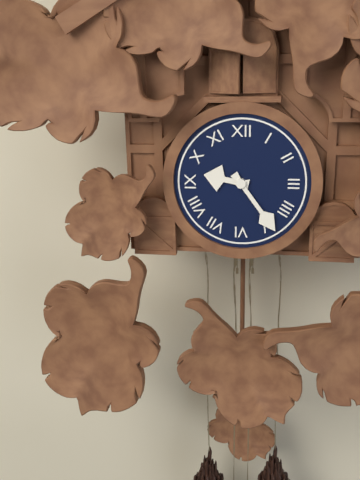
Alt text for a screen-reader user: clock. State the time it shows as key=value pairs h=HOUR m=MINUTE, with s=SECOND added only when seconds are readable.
h=9 m=24
